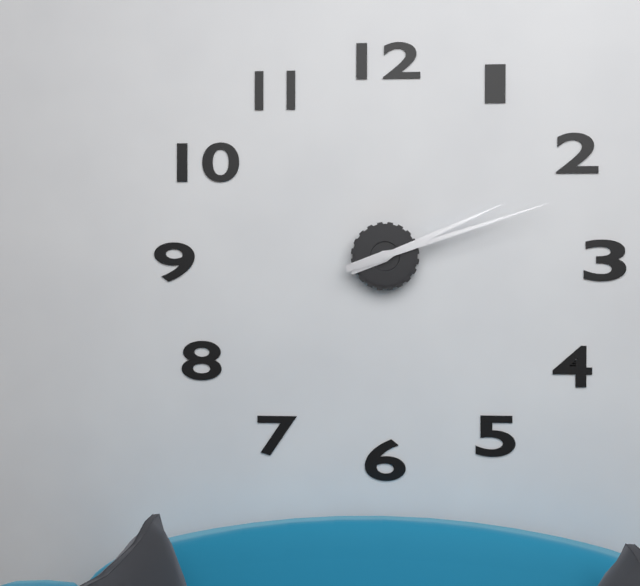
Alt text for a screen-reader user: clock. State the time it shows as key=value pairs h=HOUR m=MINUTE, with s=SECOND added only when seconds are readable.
h=2 m=12
